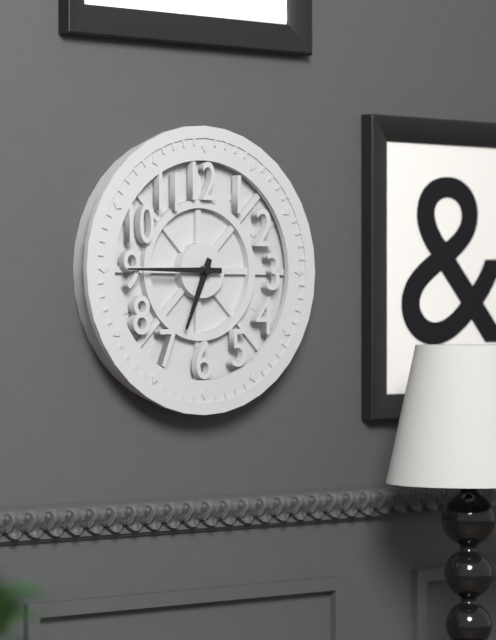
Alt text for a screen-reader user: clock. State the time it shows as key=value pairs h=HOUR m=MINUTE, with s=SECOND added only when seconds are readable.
h=6 m=45
